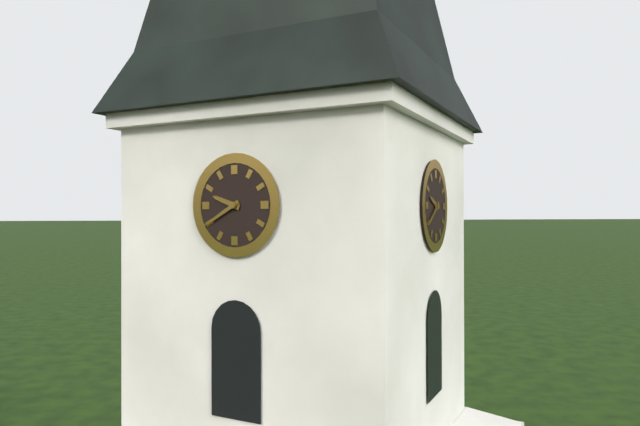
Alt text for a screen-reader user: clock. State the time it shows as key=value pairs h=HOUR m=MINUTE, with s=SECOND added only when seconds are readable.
h=9 m=40
